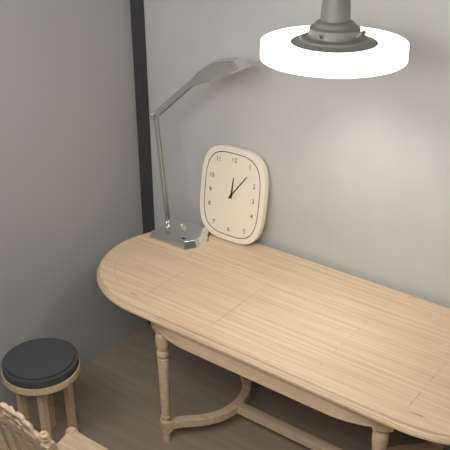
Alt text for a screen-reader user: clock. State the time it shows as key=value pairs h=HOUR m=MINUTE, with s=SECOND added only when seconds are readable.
h=12 m=6
